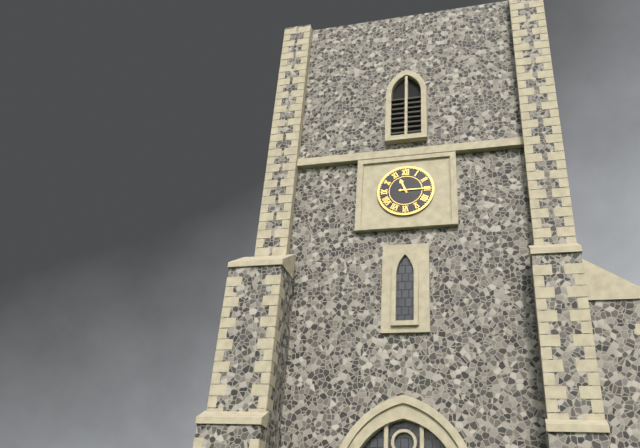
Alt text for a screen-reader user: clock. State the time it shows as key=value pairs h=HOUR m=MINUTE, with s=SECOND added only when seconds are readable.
h=11 m=15
